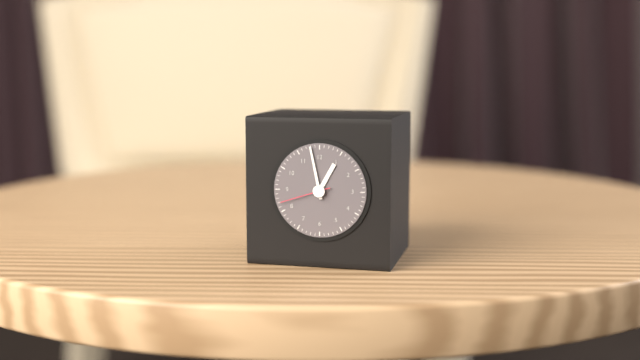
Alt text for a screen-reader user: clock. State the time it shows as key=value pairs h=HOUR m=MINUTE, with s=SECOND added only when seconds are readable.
h=12 m=58 s=42
